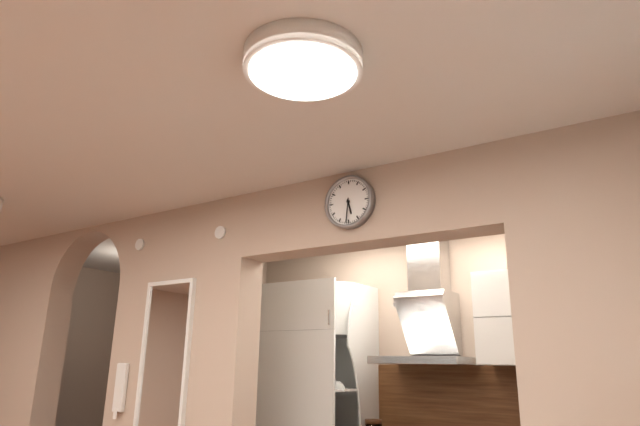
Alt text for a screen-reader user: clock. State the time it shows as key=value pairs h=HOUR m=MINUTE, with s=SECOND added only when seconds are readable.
h=5 m=31
